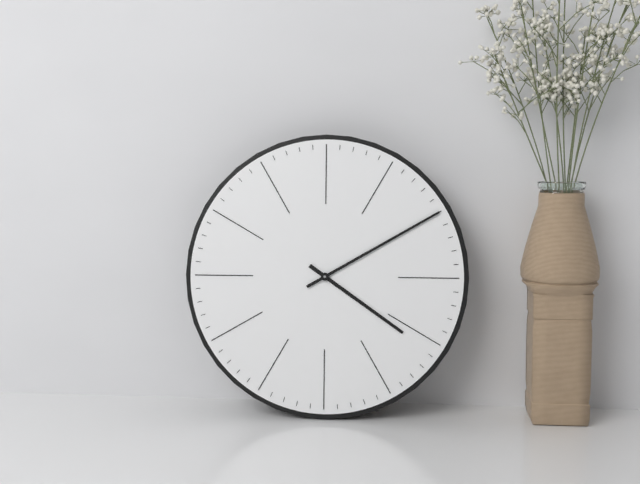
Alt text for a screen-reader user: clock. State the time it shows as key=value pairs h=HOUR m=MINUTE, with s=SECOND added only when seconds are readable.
h=4 m=10
